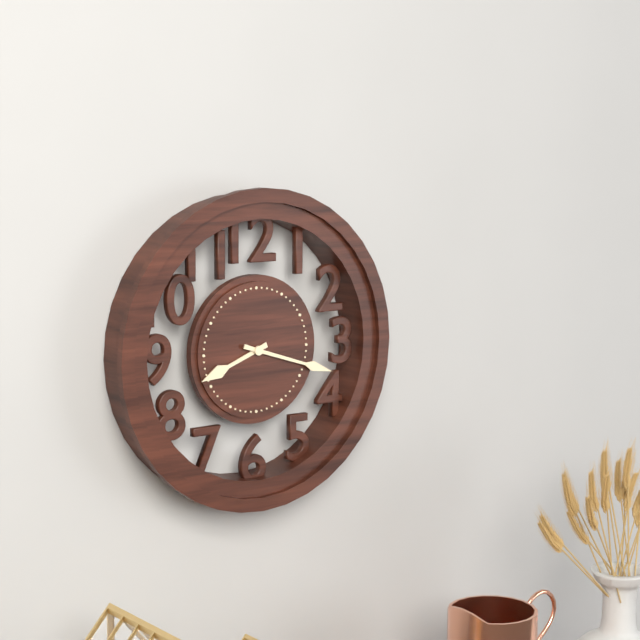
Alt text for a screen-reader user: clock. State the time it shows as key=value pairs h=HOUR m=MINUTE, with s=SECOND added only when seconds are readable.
h=8 m=18
